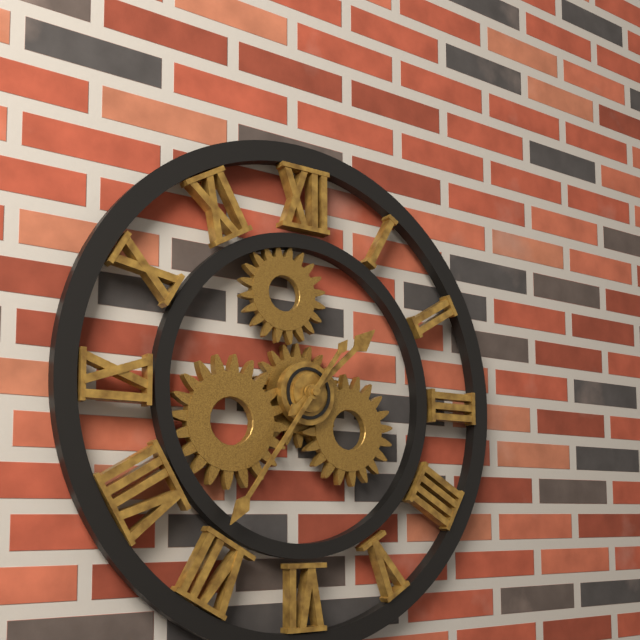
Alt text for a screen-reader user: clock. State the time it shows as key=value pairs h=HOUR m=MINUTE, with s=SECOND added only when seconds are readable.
h=1 m=36
